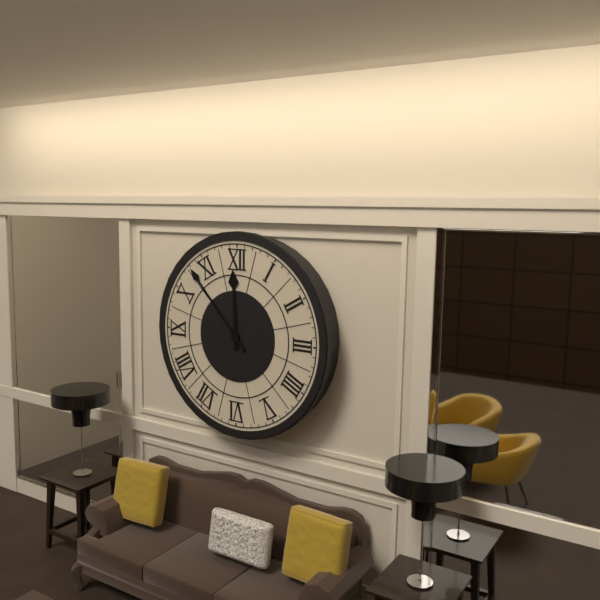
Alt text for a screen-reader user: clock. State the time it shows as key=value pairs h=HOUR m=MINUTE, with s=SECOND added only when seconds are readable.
h=11 m=53
